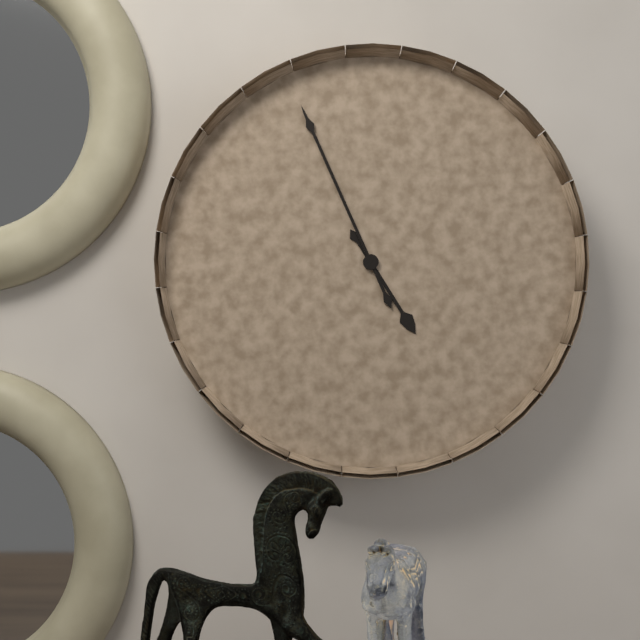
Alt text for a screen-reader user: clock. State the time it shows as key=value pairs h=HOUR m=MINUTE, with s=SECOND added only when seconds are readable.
h=4 m=56
